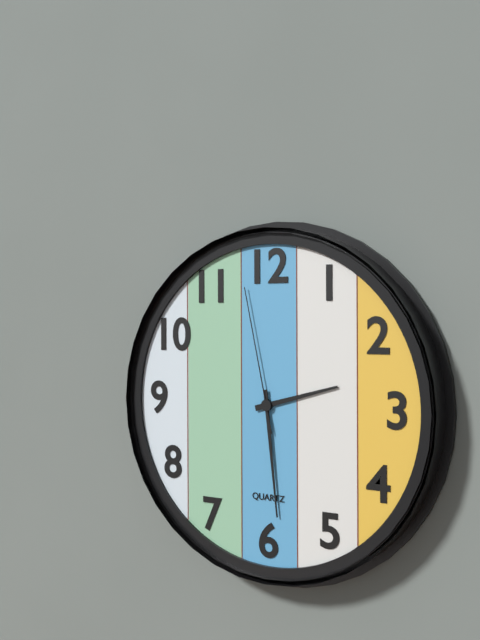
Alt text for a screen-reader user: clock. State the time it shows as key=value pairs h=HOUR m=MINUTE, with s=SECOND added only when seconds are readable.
h=2 m=29 s=58
